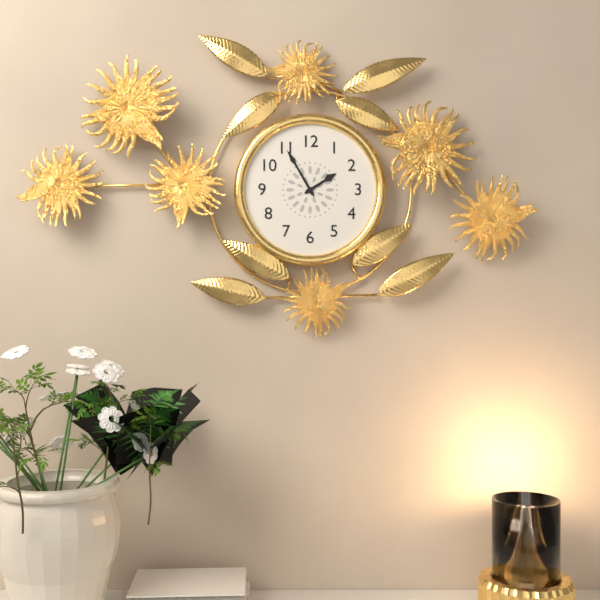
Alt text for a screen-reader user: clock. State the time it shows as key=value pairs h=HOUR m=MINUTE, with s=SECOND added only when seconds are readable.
h=1 m=55
